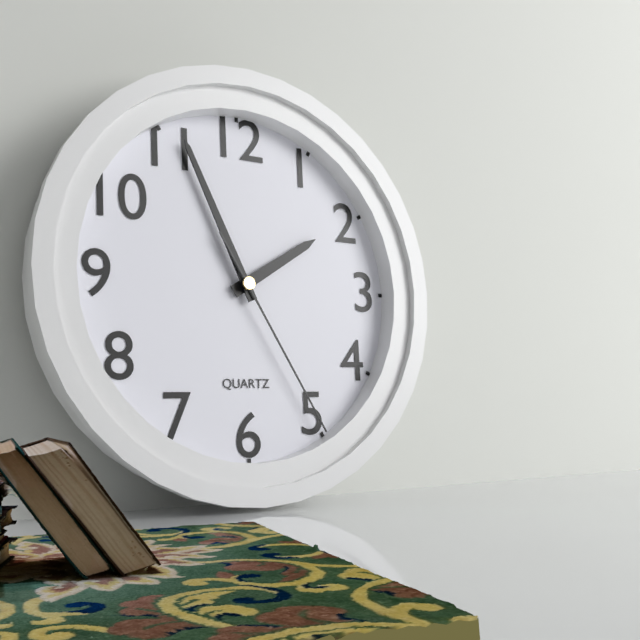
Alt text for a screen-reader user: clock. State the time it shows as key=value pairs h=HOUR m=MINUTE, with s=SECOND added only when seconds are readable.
h=1 m=56 s=25
